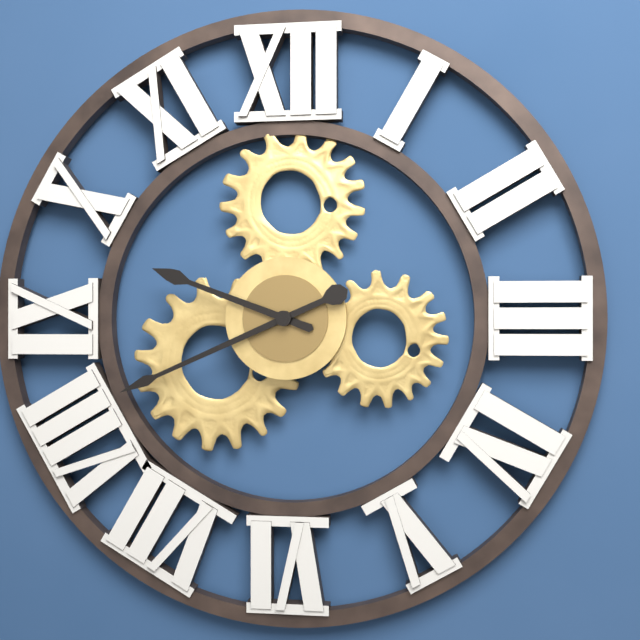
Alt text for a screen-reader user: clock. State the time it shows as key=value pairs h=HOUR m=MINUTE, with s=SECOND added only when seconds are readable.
h=9 m=41
